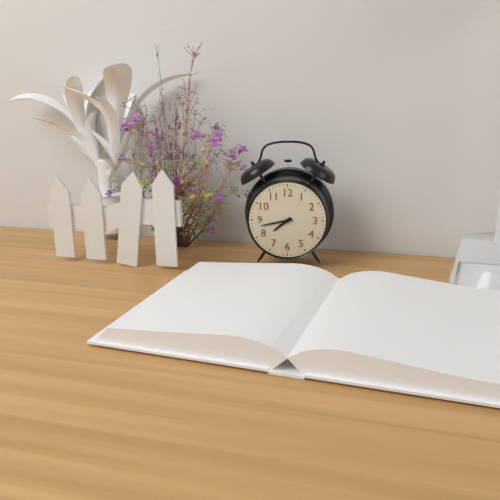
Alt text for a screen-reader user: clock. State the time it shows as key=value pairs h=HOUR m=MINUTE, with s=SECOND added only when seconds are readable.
h=7 m=43
